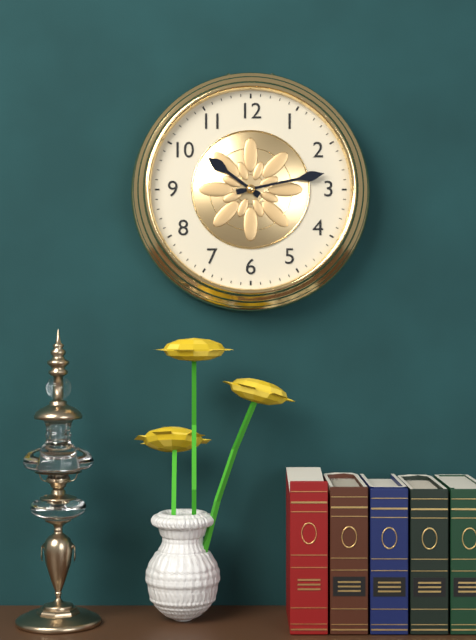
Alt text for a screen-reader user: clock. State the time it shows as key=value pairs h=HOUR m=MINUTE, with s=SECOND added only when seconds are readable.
h=10 m=13
